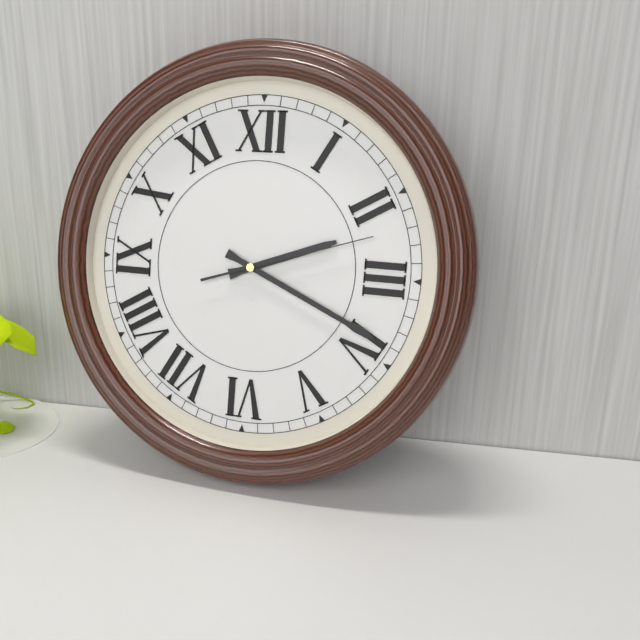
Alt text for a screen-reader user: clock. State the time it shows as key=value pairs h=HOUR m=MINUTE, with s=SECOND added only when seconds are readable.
h=2 m=19 s=12
